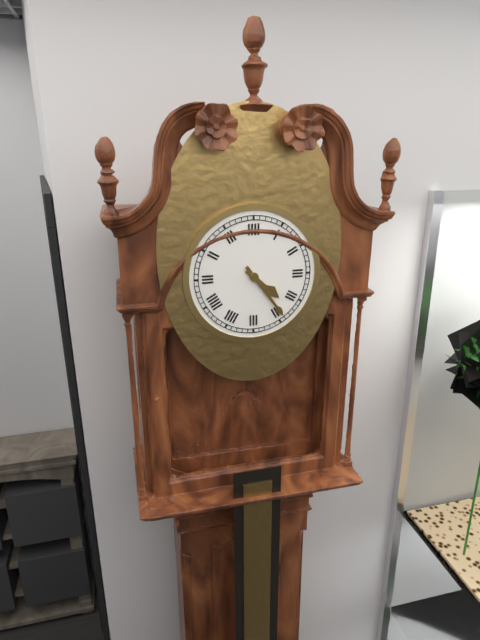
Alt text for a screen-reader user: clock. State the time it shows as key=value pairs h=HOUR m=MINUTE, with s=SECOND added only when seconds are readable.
h=4 m=24
